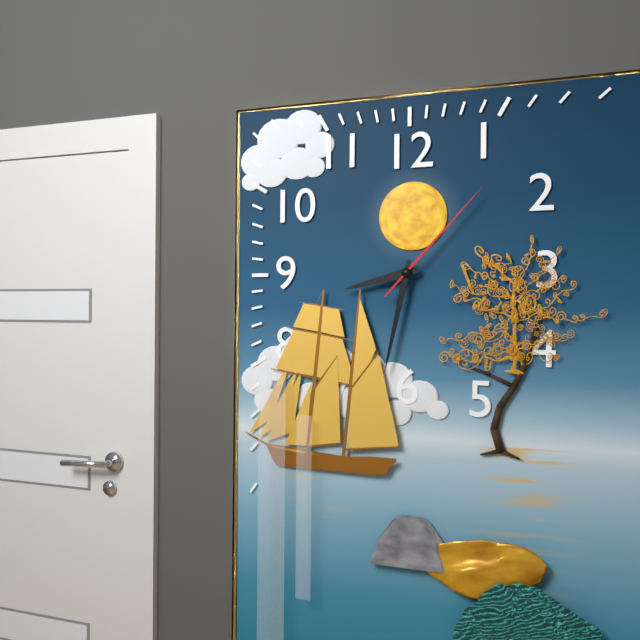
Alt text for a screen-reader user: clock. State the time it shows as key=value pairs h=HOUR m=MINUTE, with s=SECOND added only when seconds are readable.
h=8 m=32 s=7
